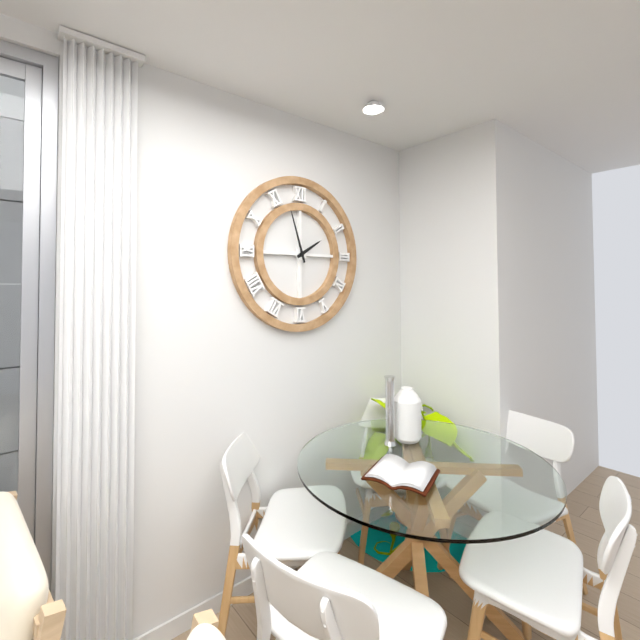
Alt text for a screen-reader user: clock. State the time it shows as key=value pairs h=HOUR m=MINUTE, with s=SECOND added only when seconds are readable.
h=1 m=57
